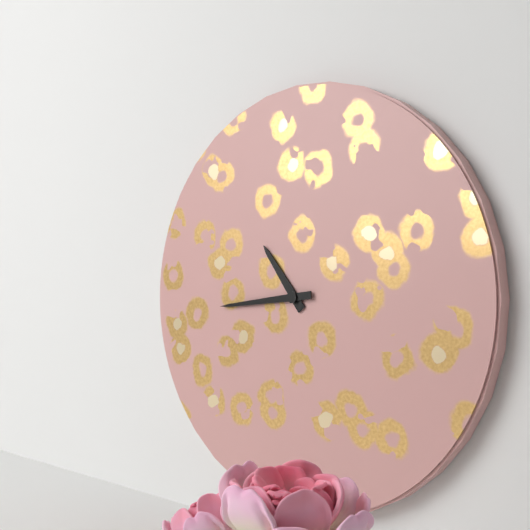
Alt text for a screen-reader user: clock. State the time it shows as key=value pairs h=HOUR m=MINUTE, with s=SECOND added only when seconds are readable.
h=10 m=44
